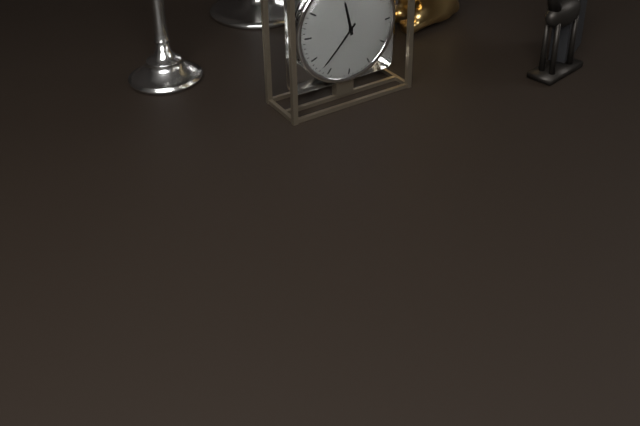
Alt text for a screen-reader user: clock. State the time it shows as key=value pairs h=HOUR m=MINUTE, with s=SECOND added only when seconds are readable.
h=11 m=37
